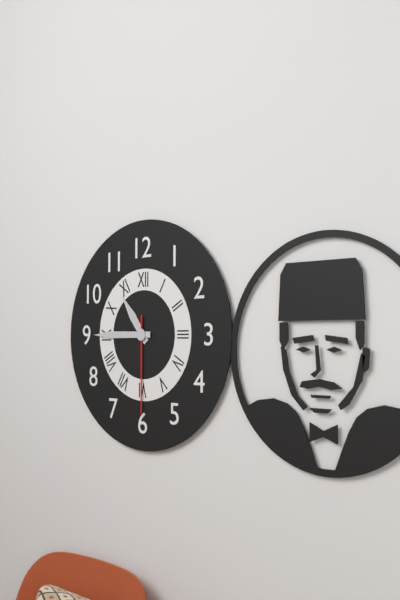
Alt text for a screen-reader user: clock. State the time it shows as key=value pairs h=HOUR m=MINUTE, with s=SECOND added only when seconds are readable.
h=10 m=45 s=30
